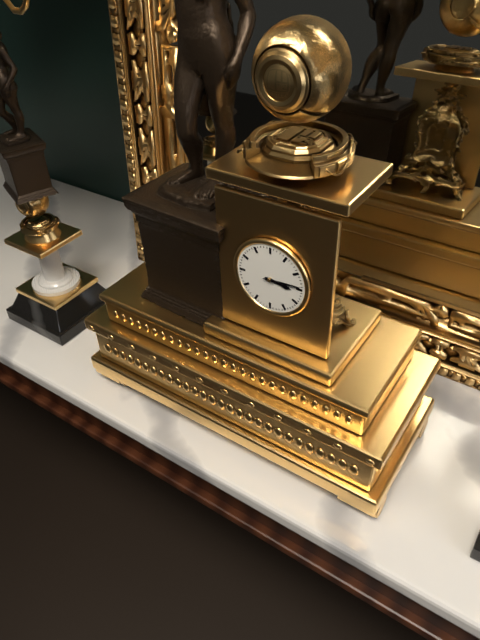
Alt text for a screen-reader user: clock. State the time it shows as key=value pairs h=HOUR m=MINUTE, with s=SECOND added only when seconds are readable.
h=3 m=14
